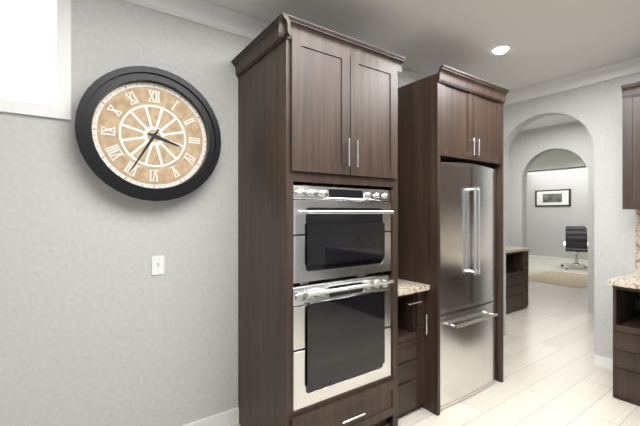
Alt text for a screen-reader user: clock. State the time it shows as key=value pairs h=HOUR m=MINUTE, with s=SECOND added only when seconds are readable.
h=3 m=35
